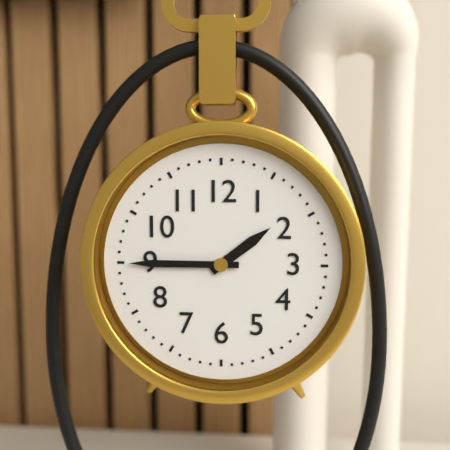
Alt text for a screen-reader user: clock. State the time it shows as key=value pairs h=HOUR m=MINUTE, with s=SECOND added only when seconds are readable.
h=1 m=45
